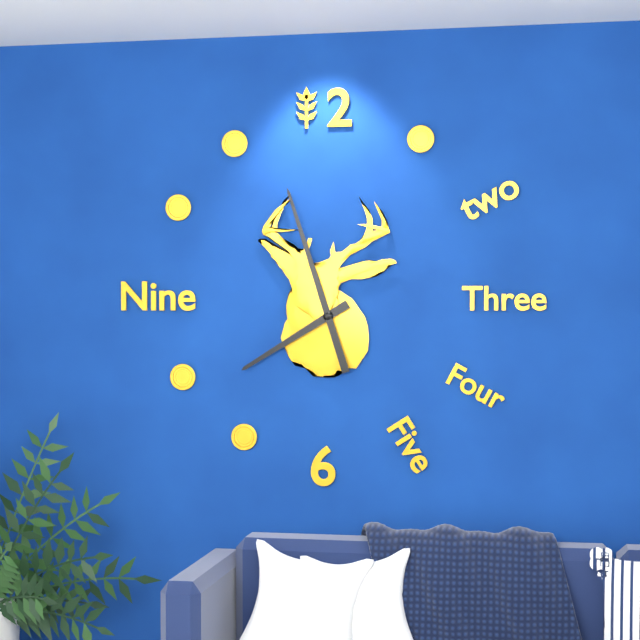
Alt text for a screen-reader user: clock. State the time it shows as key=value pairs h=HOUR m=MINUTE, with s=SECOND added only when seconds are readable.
h=7 m=57
